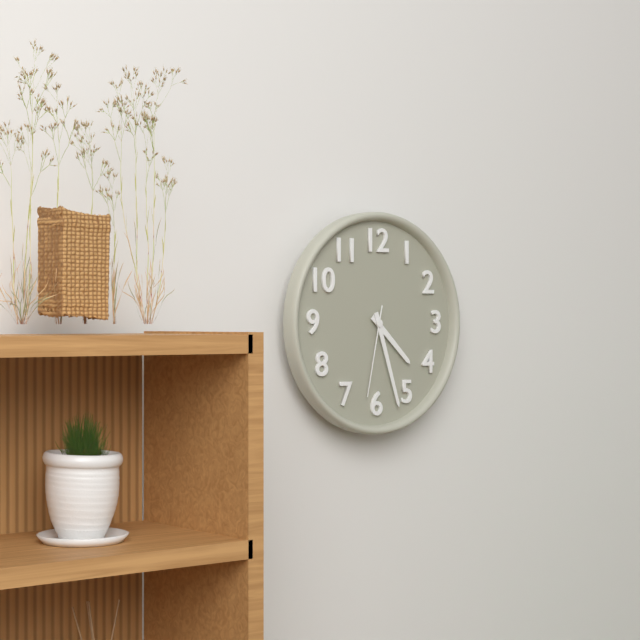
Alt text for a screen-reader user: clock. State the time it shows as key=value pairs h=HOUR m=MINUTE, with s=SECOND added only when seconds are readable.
h=4 m=27 s=32
